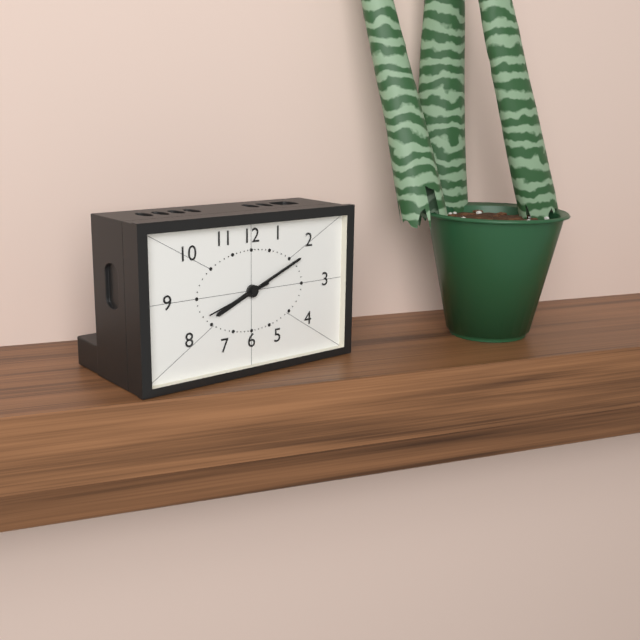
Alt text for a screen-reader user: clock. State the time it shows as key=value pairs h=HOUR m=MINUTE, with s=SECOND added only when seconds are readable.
h=8 m=11 s=42
